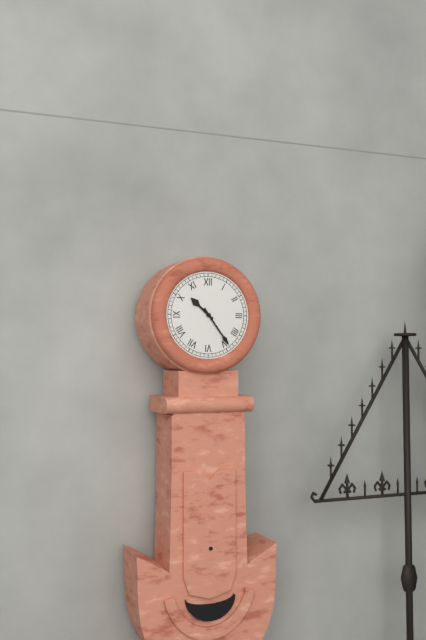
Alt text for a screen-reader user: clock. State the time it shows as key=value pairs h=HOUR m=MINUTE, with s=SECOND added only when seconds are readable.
h=10 m=24
